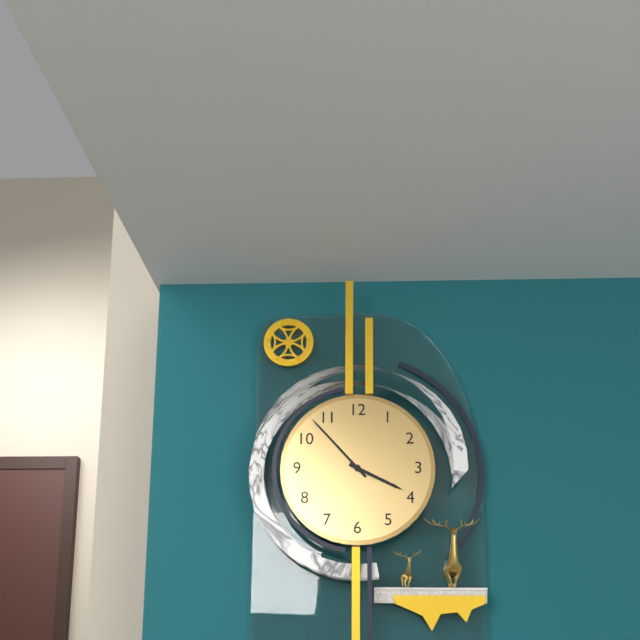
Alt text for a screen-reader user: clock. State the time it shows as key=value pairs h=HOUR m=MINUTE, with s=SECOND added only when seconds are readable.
h=3 m=53
